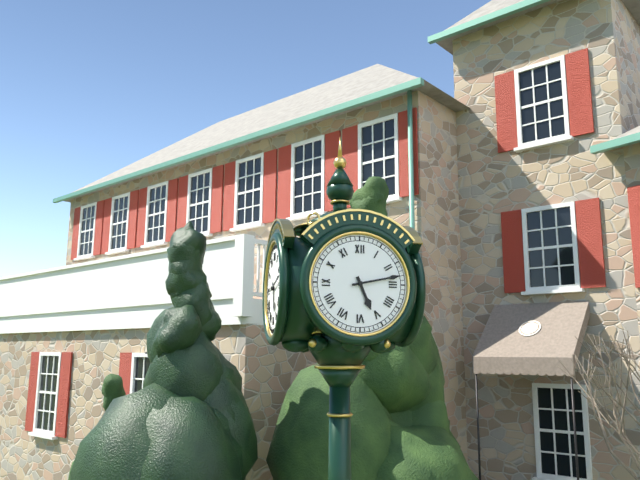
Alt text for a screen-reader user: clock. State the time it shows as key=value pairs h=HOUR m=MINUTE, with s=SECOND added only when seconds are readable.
h=5 m=13
